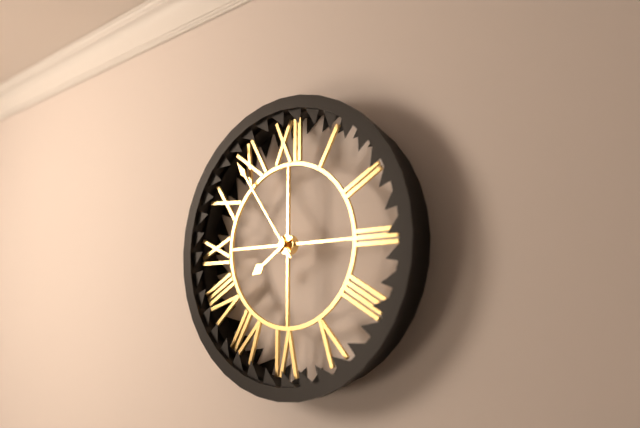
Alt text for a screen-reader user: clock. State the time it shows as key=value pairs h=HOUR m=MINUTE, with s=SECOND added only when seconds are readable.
h=7 m=54
